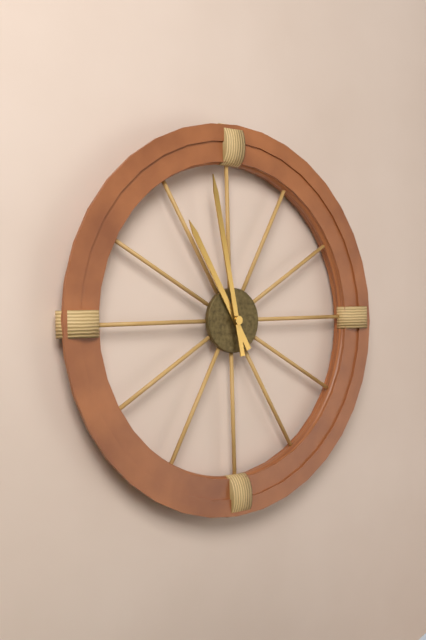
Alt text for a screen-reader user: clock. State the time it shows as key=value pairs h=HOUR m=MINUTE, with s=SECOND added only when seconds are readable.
h=10 m=58
